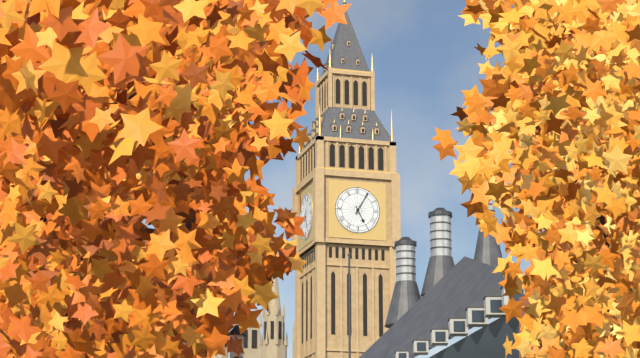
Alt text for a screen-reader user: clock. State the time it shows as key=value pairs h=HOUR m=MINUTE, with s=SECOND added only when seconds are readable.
h=5 m=5
